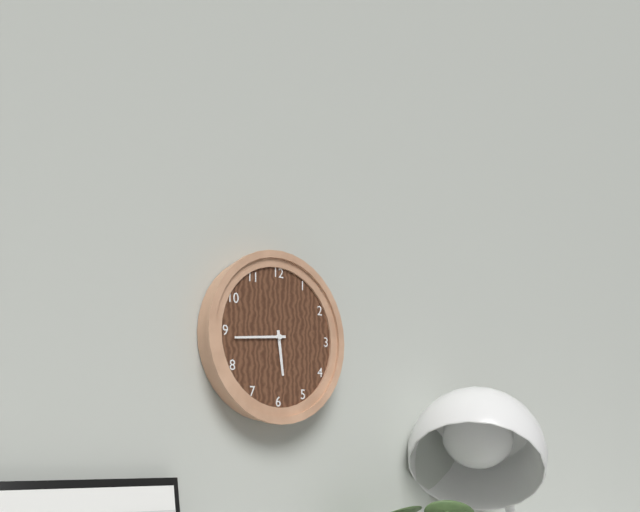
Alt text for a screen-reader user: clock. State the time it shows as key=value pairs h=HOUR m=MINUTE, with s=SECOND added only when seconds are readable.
h=5 m=44
